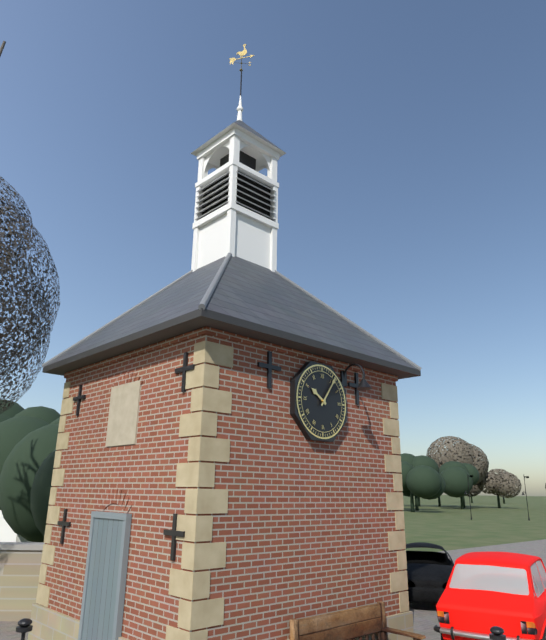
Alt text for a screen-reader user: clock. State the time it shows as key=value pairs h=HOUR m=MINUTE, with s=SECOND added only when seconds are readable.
h=10 m=6
